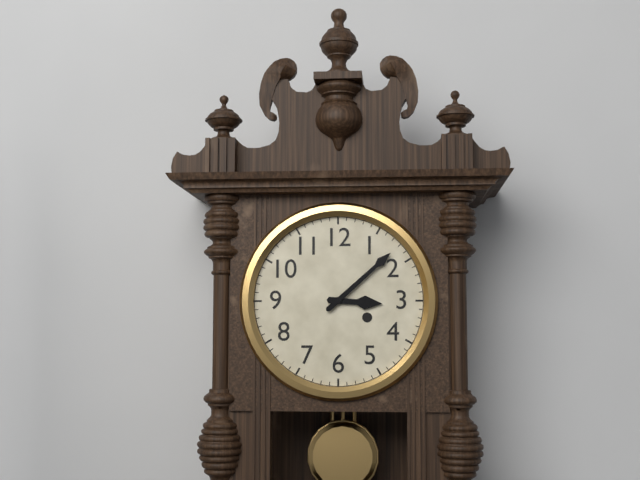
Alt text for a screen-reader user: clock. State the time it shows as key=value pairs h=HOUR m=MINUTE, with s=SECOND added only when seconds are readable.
h=3 m=8
